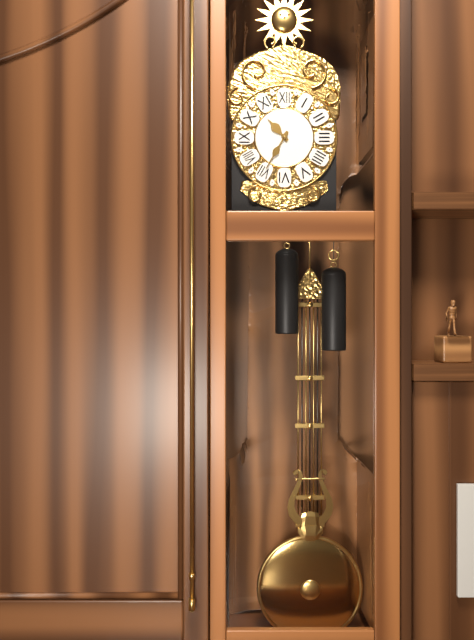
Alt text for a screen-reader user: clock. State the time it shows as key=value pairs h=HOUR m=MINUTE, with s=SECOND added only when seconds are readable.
h=10 m=35
